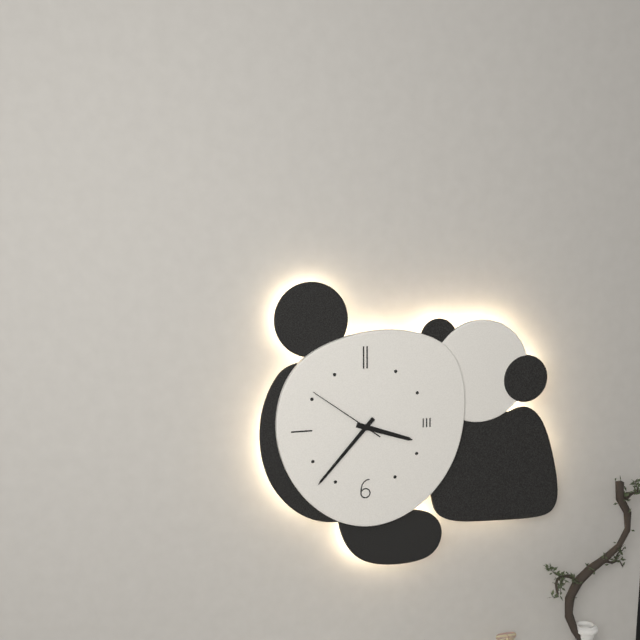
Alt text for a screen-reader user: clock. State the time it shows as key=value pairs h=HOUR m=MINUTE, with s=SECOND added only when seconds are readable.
h=3 m=37 s=51
